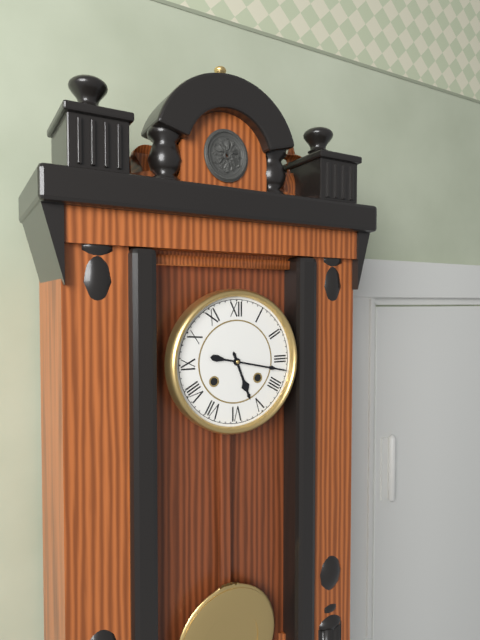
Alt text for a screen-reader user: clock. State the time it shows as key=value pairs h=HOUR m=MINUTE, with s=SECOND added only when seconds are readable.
h=5 m=17
